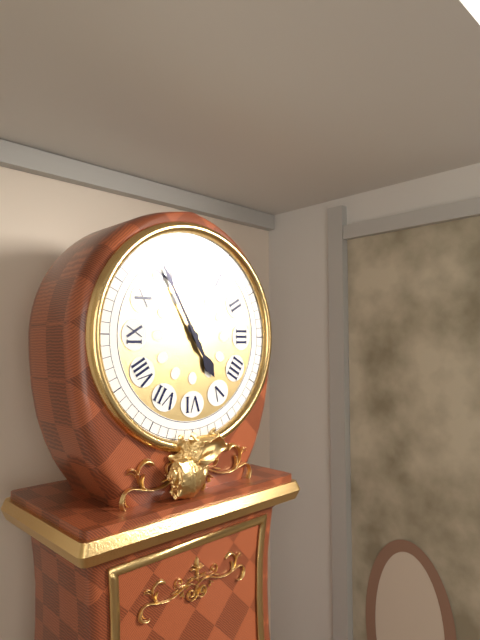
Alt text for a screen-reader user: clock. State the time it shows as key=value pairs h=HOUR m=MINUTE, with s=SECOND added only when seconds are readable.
h=4 m=55
